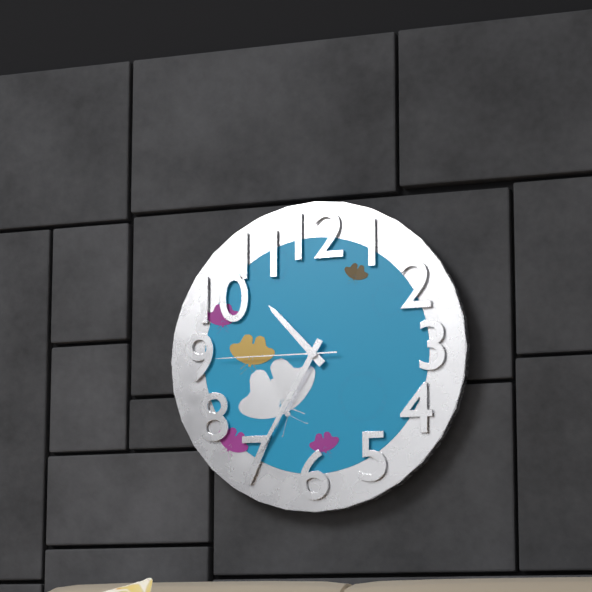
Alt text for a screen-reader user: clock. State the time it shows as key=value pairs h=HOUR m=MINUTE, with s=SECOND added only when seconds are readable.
h=10 m=35 s=45
